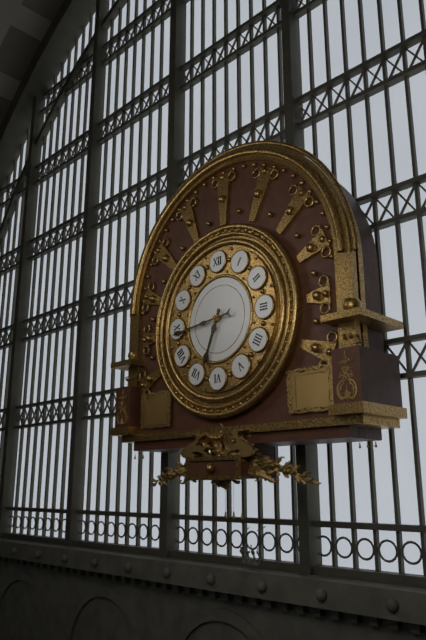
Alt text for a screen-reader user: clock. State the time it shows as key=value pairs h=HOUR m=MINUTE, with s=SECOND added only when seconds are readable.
h=6 m=44
